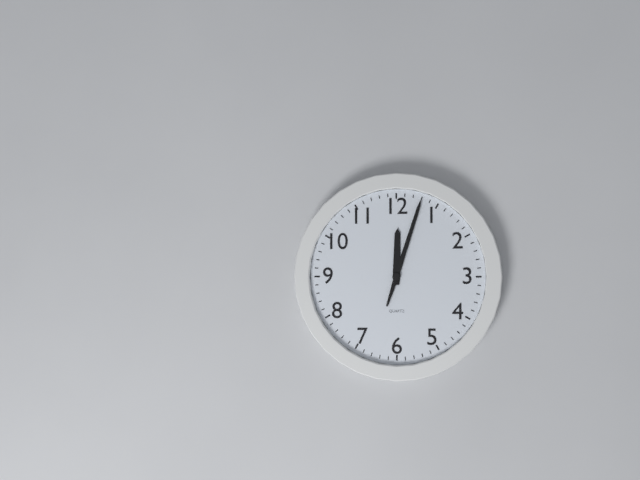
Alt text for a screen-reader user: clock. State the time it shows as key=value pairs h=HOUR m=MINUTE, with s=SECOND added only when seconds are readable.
h=12 m=3
